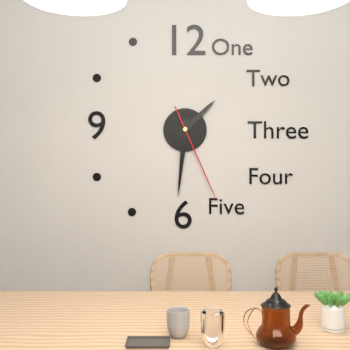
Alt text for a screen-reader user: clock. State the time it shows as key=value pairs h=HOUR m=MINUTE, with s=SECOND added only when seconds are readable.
h=1 m=31 s=26
